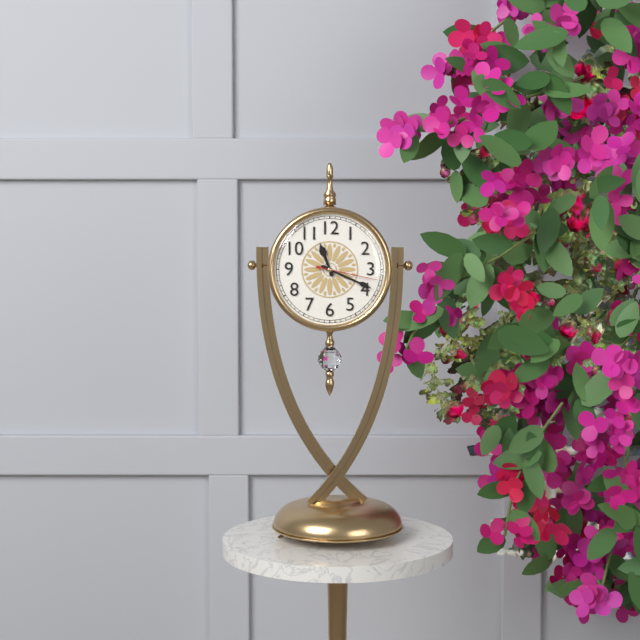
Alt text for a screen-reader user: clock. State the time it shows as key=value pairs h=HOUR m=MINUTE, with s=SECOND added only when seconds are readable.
h=11 m=19 s=17
